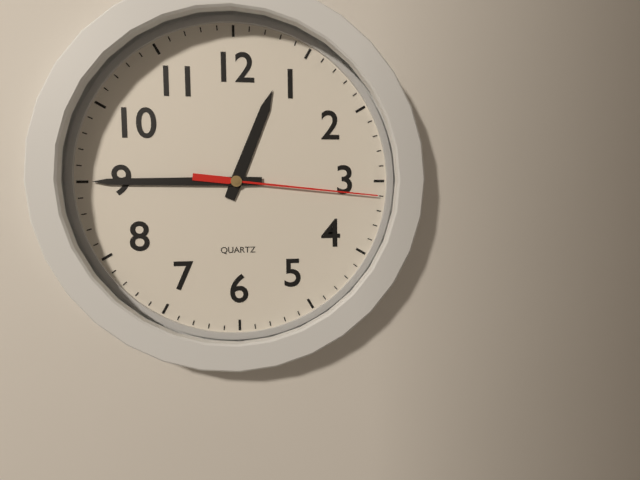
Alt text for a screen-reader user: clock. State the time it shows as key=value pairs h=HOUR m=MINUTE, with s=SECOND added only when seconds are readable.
h=12 m=45 s=16
